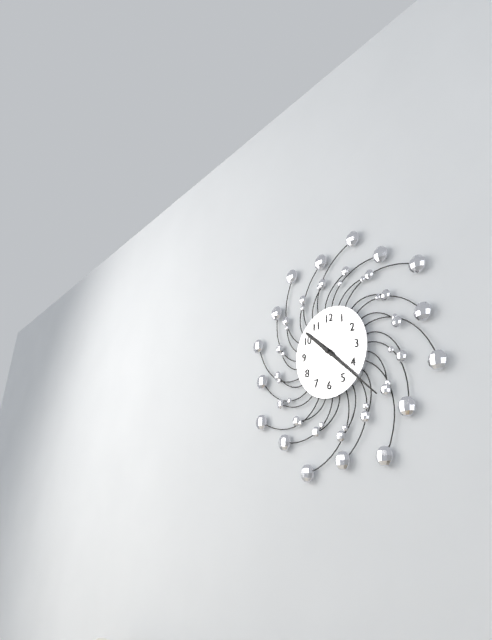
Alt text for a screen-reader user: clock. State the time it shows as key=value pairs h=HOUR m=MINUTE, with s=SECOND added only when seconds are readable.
h=10 m=22
